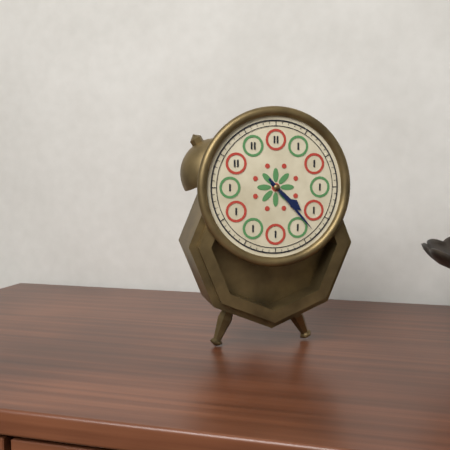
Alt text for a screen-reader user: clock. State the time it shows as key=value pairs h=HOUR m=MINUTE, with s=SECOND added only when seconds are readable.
h=4 m=23
